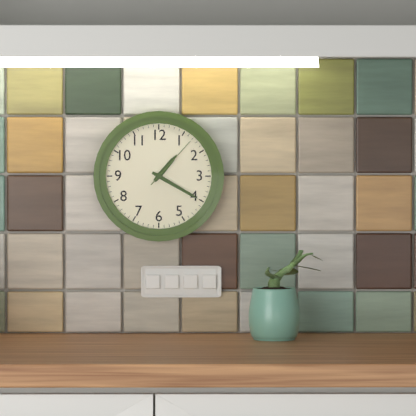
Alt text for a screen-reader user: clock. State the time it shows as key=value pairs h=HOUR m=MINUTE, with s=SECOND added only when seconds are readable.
h=1 m=20 s=7
